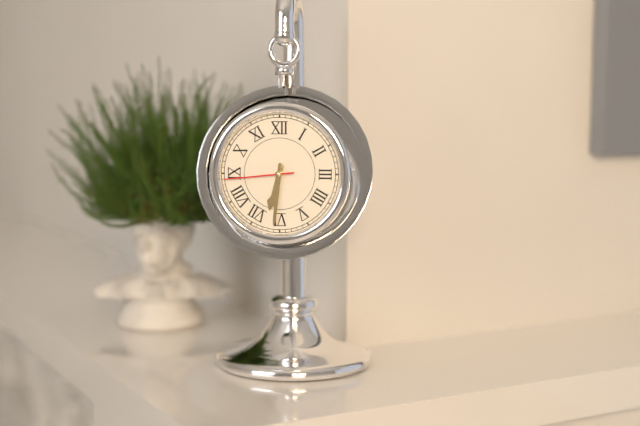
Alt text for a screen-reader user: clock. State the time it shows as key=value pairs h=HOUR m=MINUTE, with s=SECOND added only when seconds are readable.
h=6 m=31 s=44
